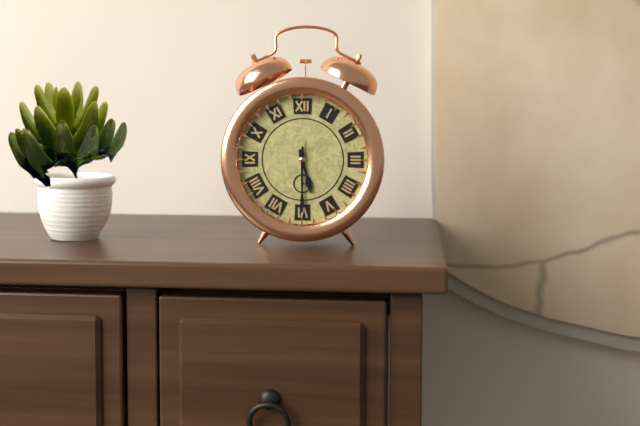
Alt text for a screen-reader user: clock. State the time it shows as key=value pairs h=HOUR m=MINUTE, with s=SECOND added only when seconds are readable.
h=5 m=30
